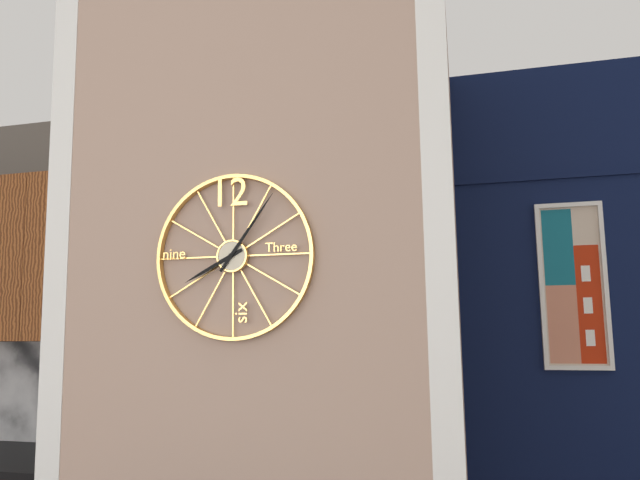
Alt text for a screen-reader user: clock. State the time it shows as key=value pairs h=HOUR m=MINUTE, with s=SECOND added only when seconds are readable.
h=8 m=6
